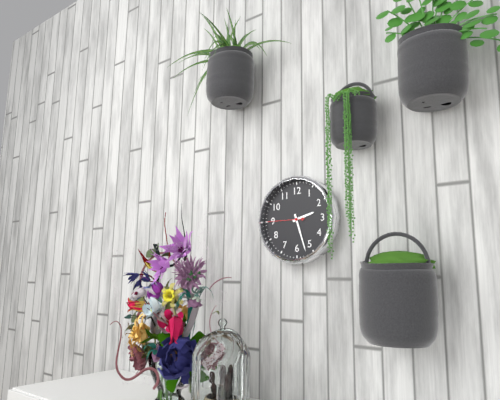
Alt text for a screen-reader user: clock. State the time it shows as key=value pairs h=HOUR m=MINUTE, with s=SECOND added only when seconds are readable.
h=2 m=27
